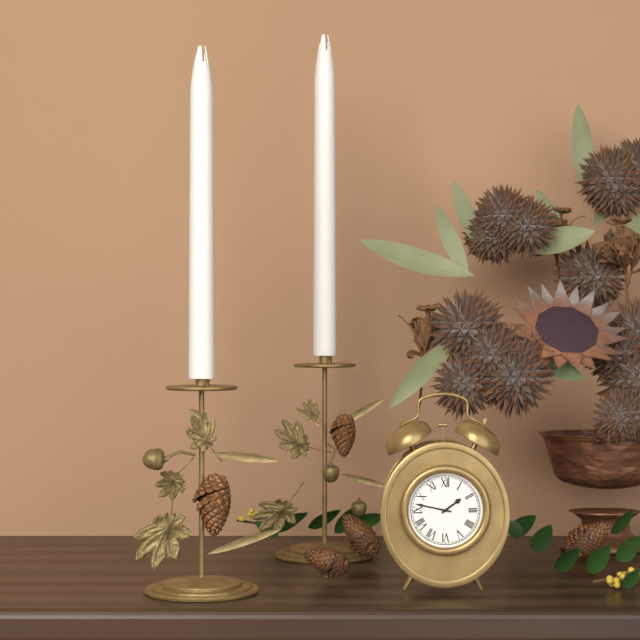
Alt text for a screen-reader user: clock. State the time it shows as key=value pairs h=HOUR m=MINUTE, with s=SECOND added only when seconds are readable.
h=1 m=47
